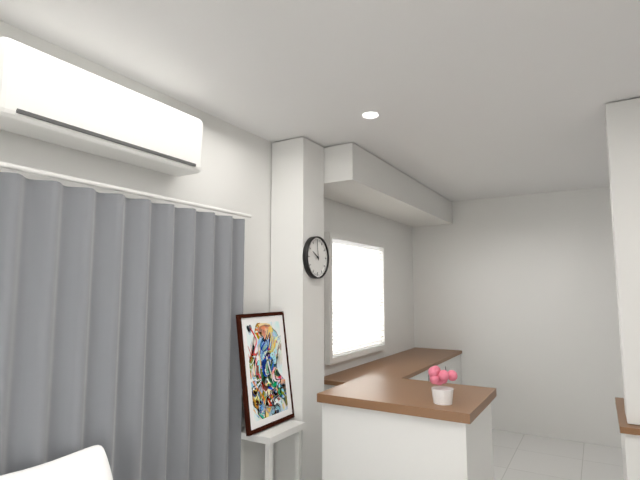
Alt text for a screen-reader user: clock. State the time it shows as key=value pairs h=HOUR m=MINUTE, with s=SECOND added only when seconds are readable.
h=9 m=59
